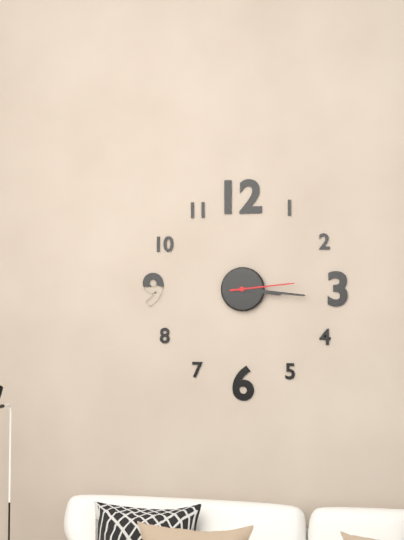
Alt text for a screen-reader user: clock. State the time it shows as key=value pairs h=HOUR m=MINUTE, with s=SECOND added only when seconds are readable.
h=3 m=16 s=14
